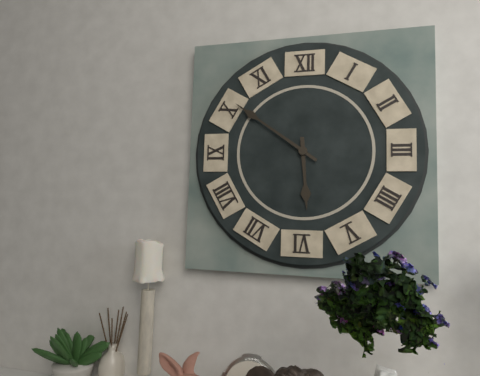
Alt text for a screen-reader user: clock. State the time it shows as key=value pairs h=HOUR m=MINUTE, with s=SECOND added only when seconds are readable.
h=5 m=51
